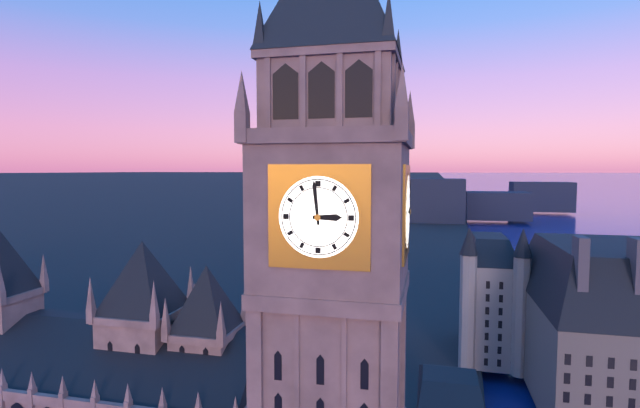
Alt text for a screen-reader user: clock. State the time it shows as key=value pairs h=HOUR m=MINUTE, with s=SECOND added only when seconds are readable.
h=2 m=59
